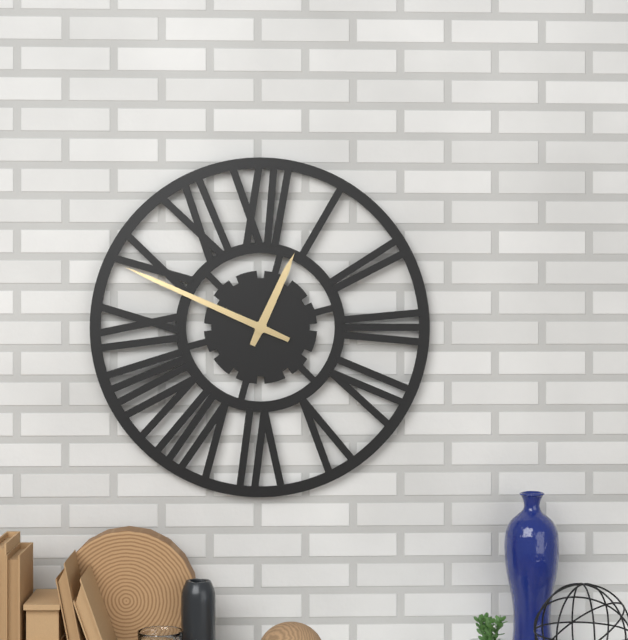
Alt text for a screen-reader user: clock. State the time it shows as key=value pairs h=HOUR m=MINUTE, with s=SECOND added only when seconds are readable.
h=12 m=49
